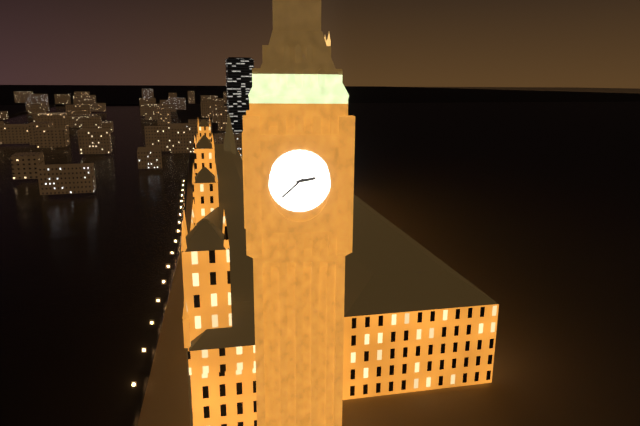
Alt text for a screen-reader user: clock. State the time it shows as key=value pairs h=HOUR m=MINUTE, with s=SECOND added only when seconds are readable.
h=2 m=38
